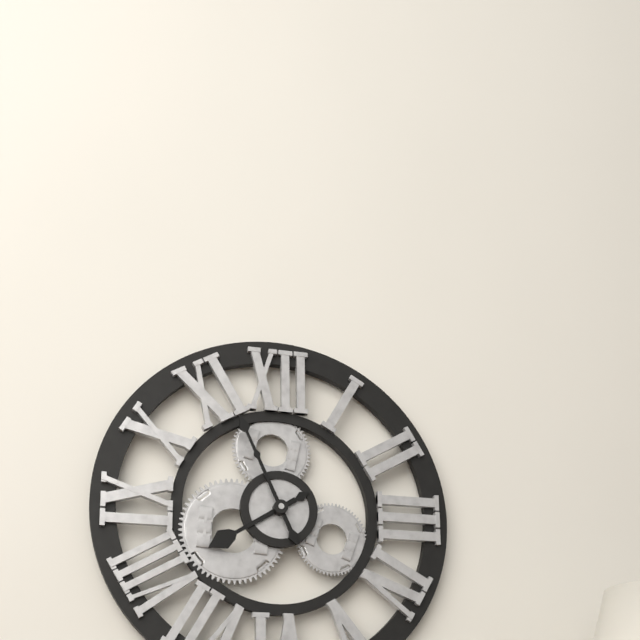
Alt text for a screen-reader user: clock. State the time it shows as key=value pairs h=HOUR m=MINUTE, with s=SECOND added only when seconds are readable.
h=7 m=56
